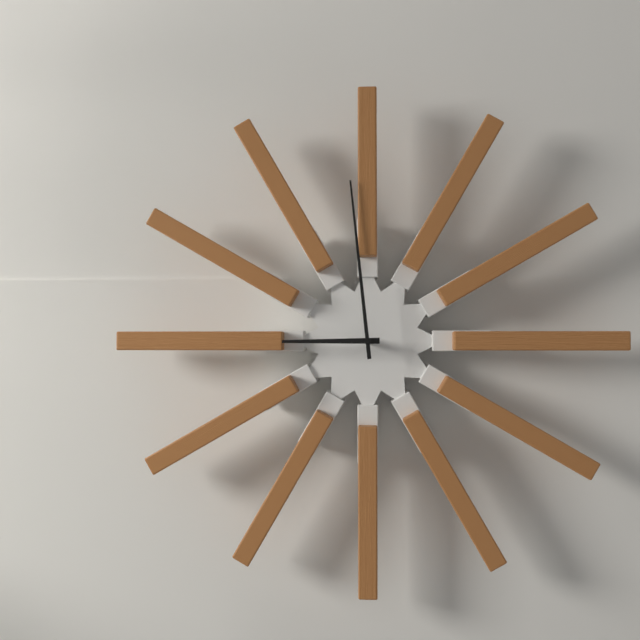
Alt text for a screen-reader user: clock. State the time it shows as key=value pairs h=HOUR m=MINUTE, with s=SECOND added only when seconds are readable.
h=8 m=59
